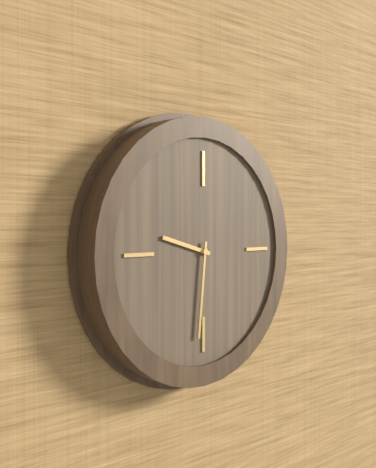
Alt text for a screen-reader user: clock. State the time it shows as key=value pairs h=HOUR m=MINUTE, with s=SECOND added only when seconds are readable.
h=9 m=31
